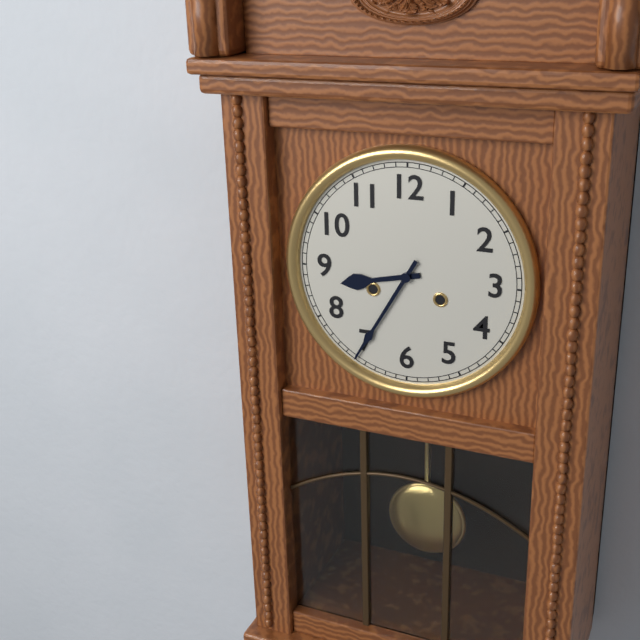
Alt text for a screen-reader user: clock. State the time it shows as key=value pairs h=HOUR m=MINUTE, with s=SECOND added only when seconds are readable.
h=8 m=35
